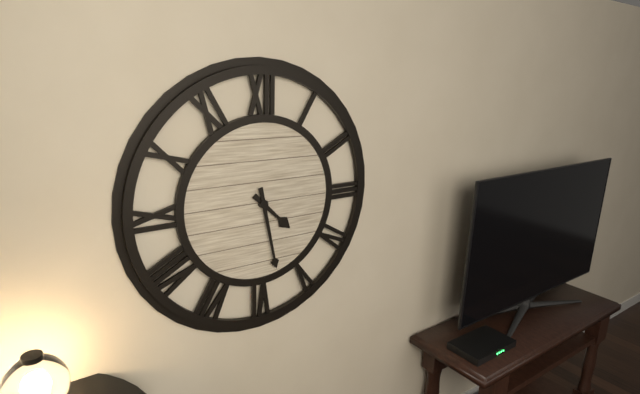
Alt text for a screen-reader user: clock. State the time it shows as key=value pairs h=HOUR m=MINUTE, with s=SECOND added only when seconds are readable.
h=4 m=28
